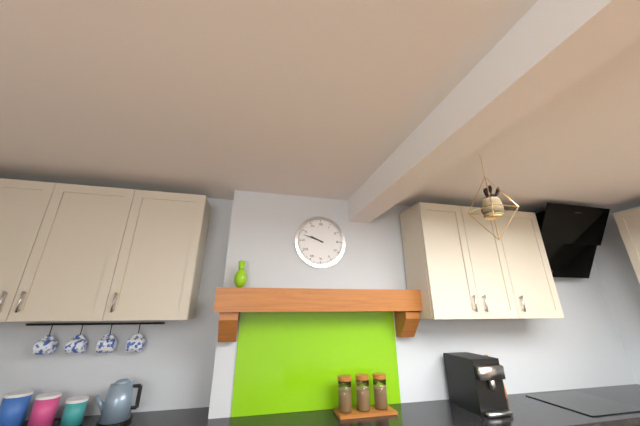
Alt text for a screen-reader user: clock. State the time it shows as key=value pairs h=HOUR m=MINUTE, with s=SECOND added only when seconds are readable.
h=9 m=48
